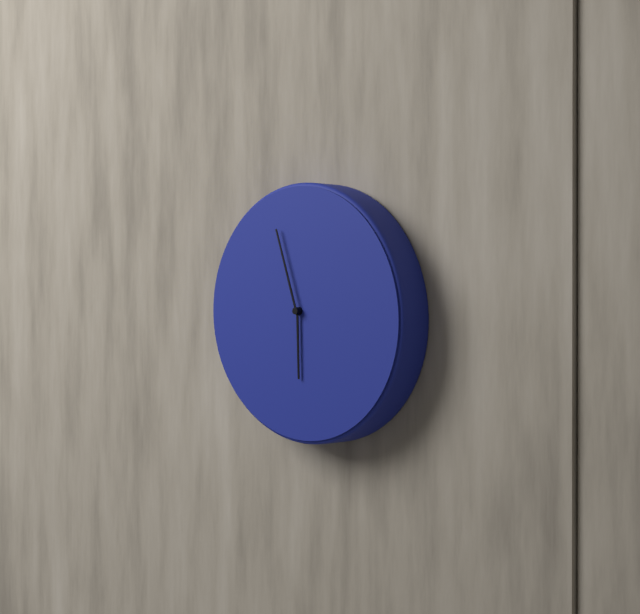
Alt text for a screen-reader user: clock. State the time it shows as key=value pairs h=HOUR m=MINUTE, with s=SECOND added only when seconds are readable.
h=5 m=57
